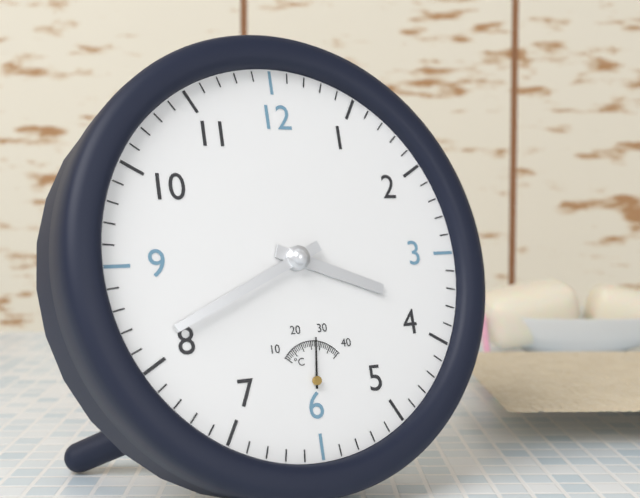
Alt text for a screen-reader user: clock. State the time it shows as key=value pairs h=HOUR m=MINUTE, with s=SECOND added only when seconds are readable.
h=3 m=41
